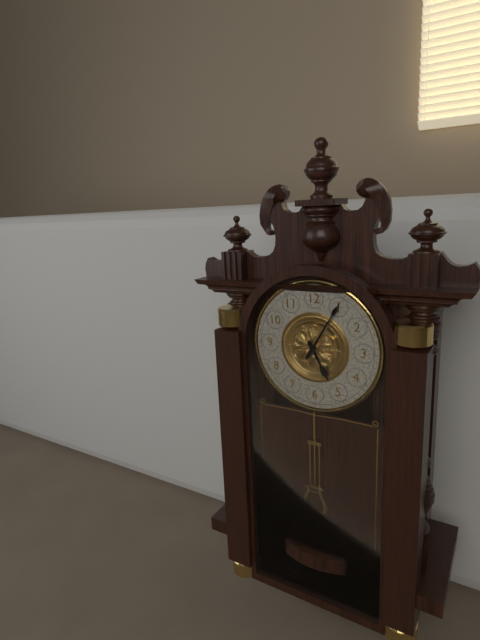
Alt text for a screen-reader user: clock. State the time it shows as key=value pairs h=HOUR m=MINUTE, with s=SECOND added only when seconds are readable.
h=5 m=5
